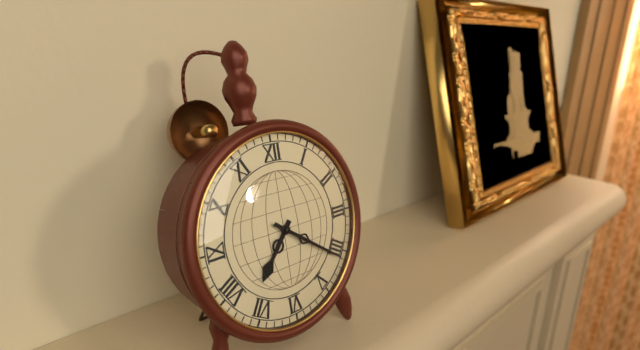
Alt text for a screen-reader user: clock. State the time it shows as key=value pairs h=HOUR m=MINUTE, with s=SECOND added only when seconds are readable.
h=7 m=21
